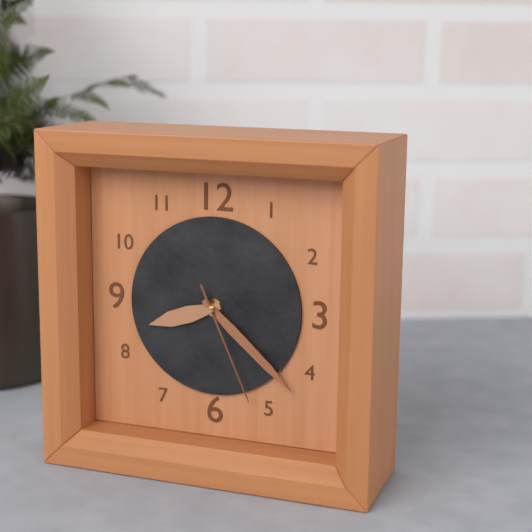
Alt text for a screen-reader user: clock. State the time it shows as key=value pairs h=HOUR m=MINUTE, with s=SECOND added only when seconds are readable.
h=8 m=22 s=26
